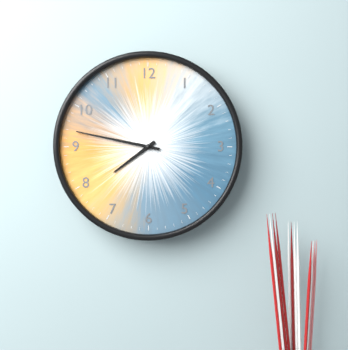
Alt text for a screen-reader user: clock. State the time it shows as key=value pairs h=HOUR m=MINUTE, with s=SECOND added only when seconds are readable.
h=7 m=47
